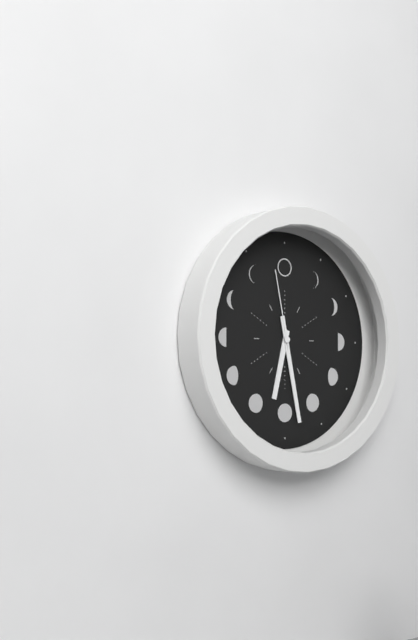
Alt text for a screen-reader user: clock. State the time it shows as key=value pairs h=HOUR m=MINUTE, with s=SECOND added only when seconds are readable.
h=6 m=28 s=58
